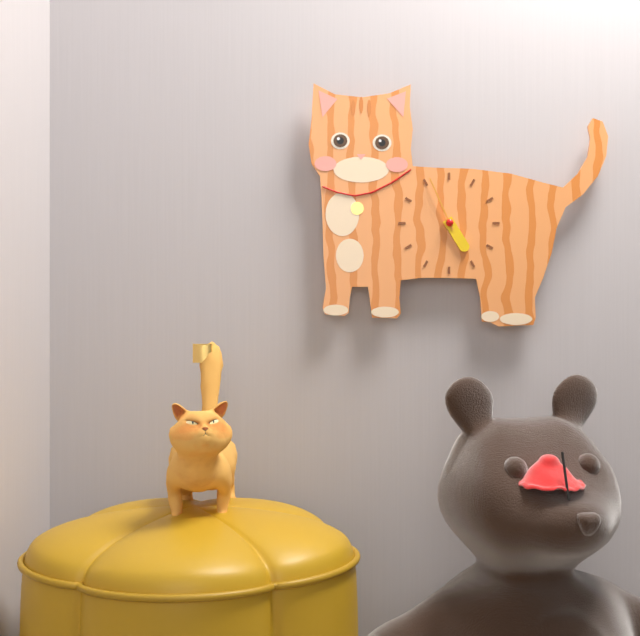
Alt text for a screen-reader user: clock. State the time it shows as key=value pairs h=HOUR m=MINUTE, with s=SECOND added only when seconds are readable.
h=4 m=56
